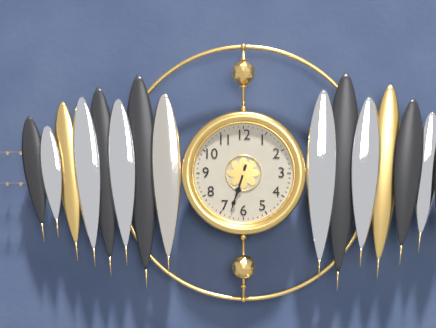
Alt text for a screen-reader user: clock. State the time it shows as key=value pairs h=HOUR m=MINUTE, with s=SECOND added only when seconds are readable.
h=6 m=33
